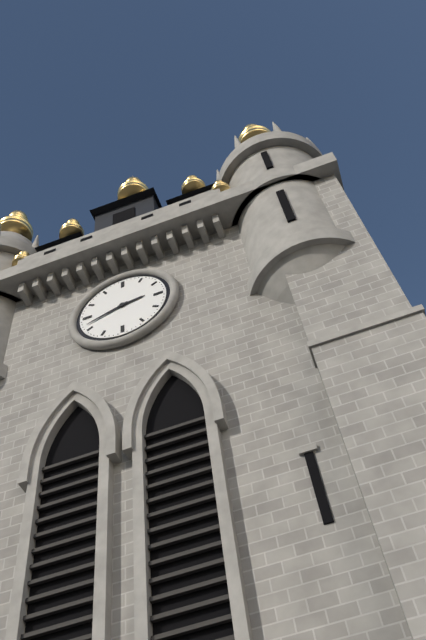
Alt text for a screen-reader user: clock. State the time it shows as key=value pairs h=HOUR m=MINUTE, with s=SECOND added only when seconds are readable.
h=2 m=42
